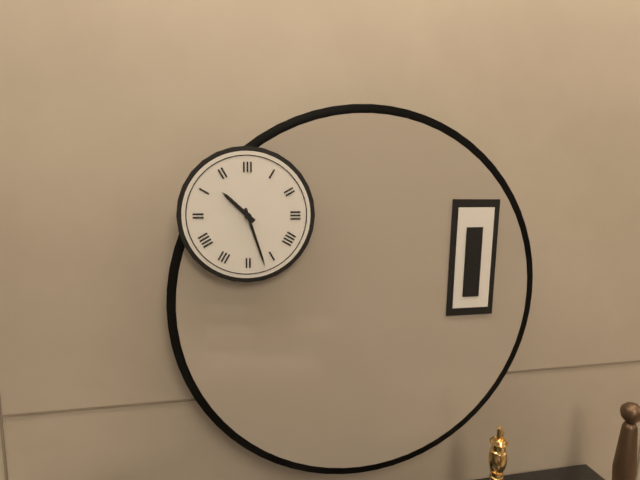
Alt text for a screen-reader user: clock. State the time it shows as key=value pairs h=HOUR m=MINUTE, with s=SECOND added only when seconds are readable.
h=10 m=27
